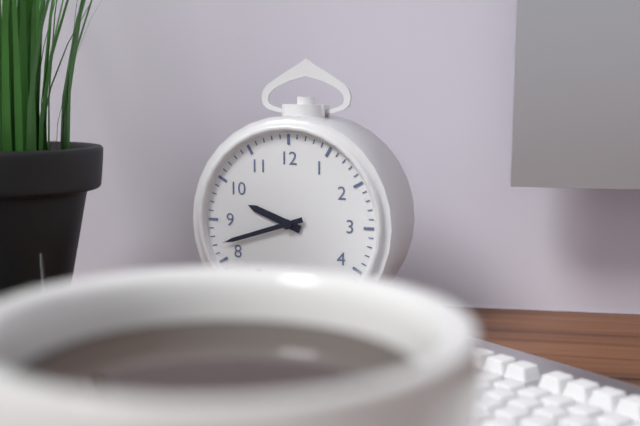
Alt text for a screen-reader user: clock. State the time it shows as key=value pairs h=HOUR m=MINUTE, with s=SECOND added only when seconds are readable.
h=9 m=42
